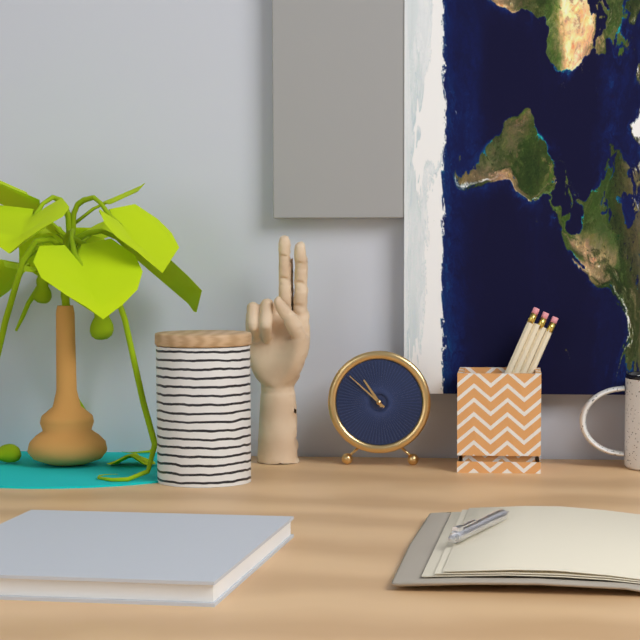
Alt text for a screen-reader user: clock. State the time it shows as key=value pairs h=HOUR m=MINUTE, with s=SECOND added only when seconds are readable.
h=10 m=52
